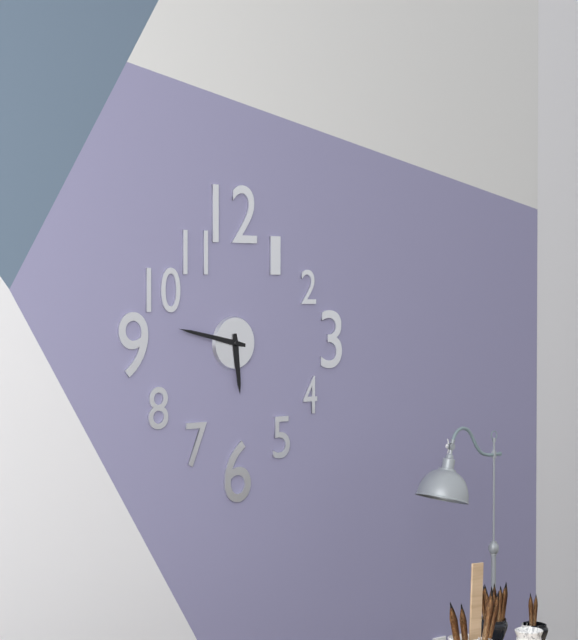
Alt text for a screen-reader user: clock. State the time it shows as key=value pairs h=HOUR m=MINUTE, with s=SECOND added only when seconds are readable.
h=5 m=47
